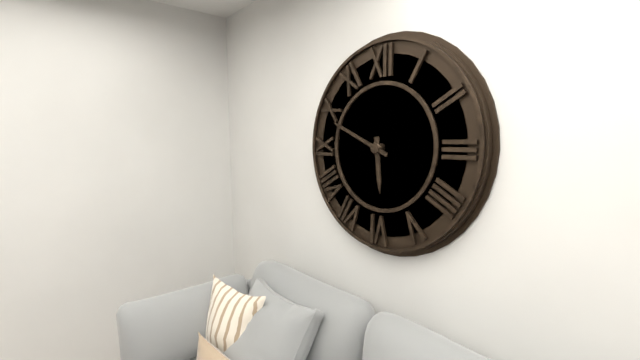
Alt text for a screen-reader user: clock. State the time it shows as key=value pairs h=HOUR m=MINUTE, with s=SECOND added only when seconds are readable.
h=5 m=49
